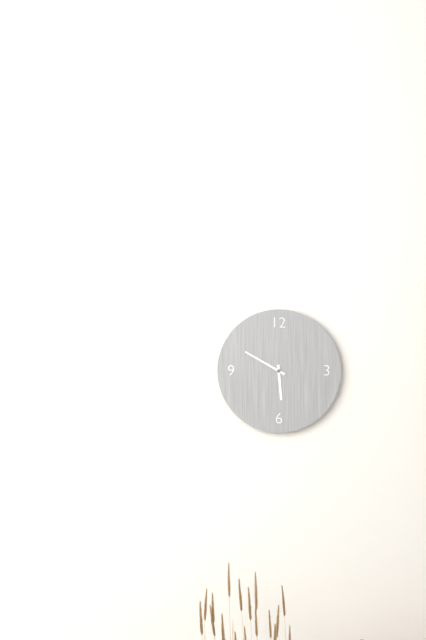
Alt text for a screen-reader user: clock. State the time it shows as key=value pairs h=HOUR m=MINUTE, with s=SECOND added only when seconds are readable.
h=5 m=50
